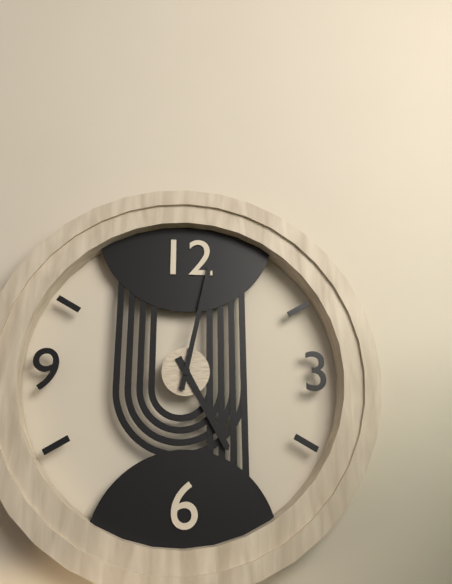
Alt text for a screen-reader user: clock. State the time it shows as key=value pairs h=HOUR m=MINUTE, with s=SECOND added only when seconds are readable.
h=5 m=2
